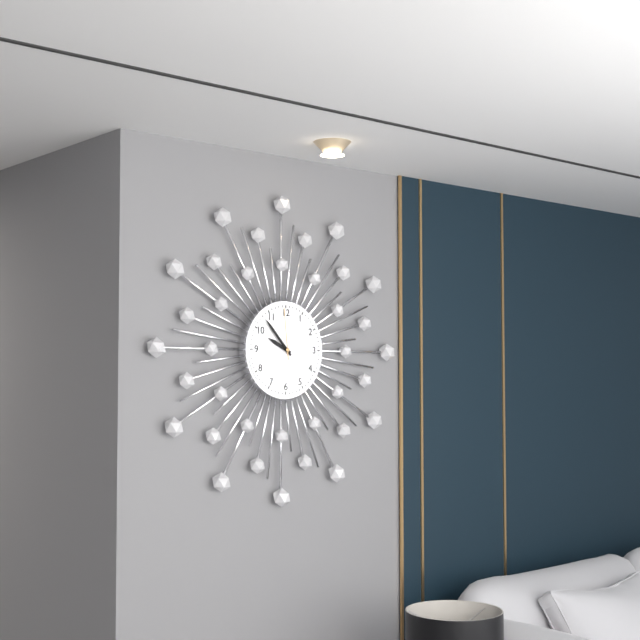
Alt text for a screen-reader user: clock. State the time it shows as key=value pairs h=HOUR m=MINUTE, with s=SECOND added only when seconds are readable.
h=9 m=53 s=59
